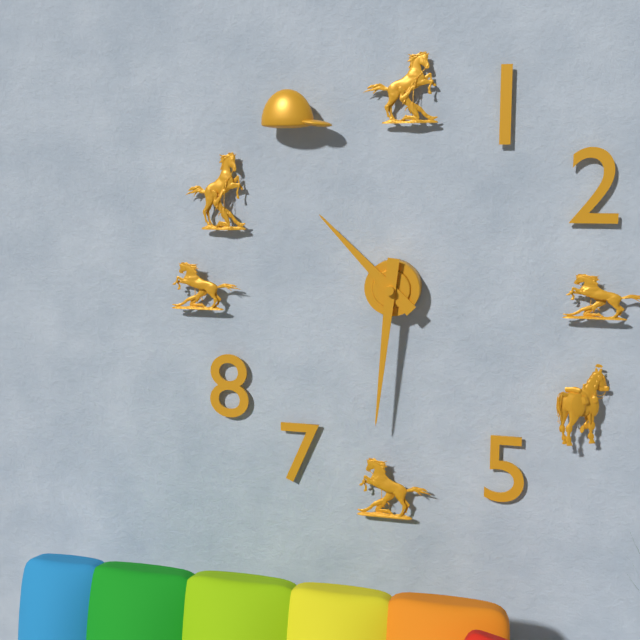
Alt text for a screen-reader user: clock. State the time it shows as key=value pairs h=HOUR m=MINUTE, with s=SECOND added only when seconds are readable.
h=10 m=31
